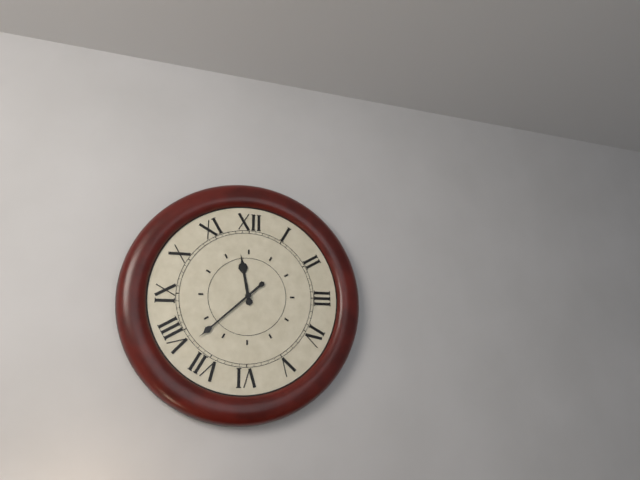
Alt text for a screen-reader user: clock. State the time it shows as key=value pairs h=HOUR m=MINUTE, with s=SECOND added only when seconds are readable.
h=11 m=38
